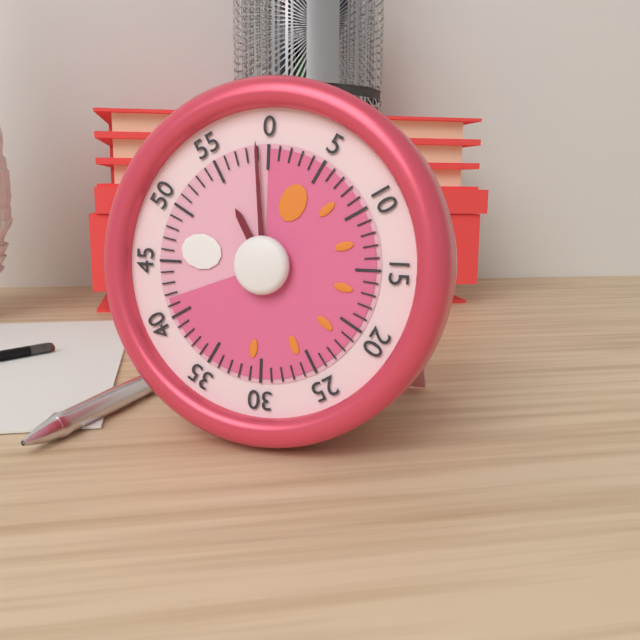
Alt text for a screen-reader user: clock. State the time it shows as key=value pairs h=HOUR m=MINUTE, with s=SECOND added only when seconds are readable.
h=10 m=59
